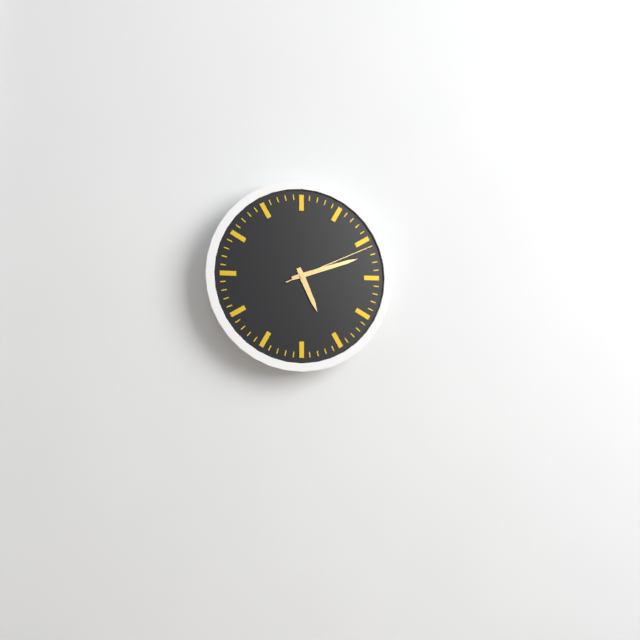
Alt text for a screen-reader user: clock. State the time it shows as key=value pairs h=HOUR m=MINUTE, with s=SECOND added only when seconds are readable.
h=5 m=12 s=11
